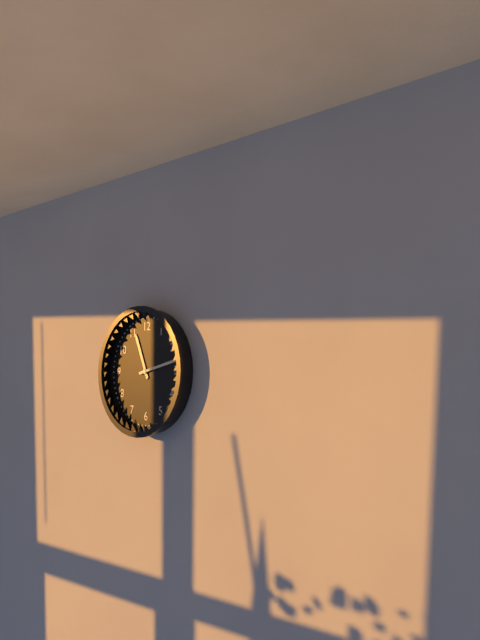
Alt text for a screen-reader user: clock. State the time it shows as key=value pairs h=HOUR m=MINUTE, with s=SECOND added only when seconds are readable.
h=11 m=13
